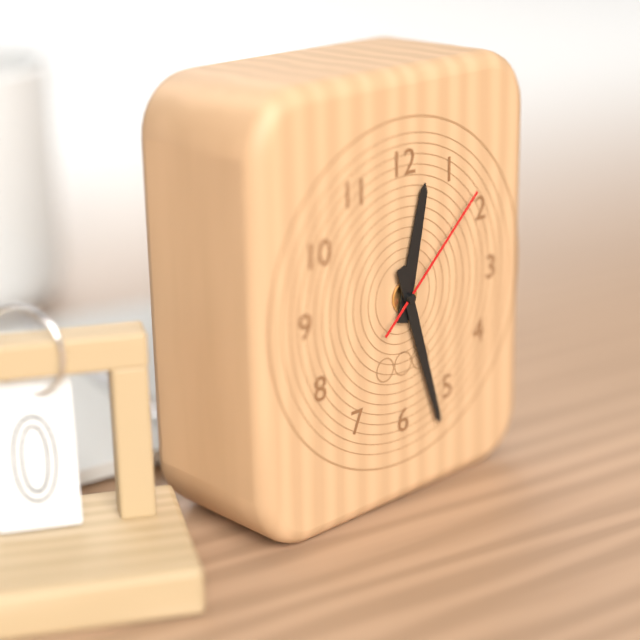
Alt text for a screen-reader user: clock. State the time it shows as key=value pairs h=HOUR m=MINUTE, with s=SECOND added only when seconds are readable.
h=12 m=27 s=8
